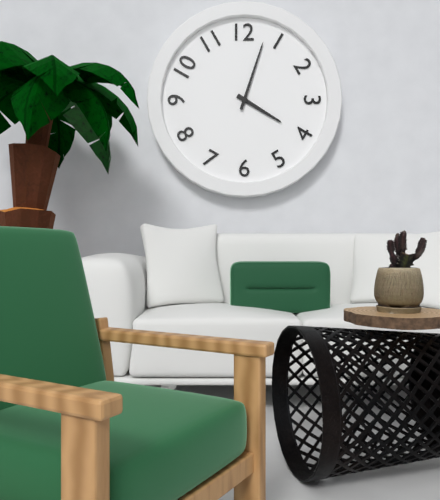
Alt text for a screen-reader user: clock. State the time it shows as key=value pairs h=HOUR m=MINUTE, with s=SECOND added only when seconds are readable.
h=4 m=3
